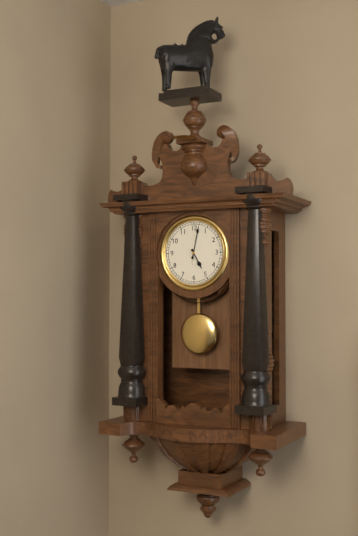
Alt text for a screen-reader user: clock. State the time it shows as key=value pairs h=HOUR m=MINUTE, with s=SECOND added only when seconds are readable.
h=5 m=2
